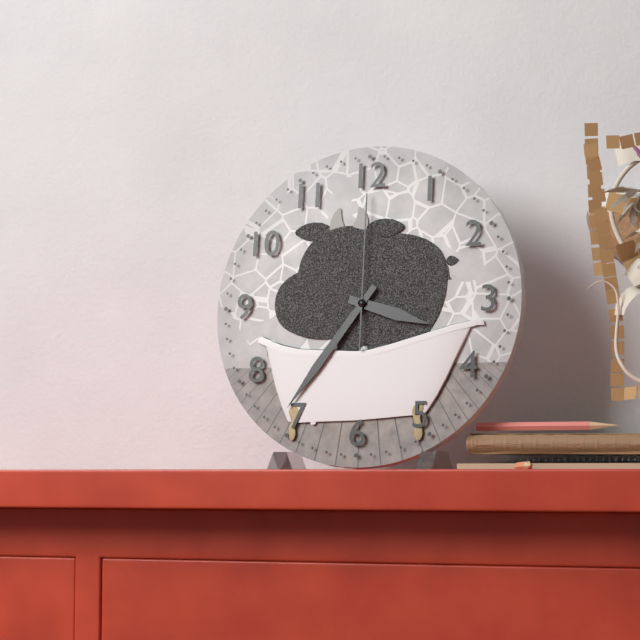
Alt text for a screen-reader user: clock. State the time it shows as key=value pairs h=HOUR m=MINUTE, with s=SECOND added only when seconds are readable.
h=3 m=36 s=0
